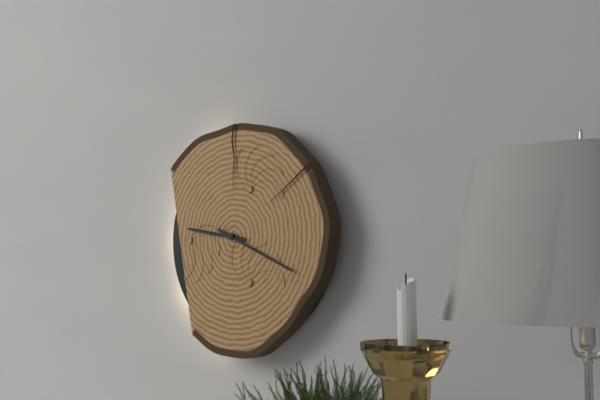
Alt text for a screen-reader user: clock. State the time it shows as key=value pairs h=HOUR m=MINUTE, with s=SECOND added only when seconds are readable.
h=9 m=19
